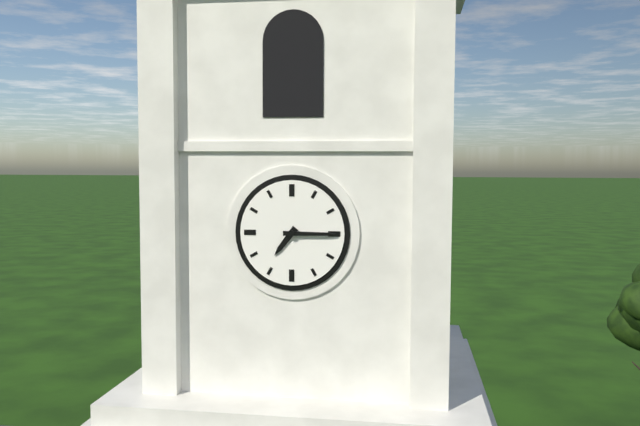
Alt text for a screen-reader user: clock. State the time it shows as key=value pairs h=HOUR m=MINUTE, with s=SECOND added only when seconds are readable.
h=7 m=15
